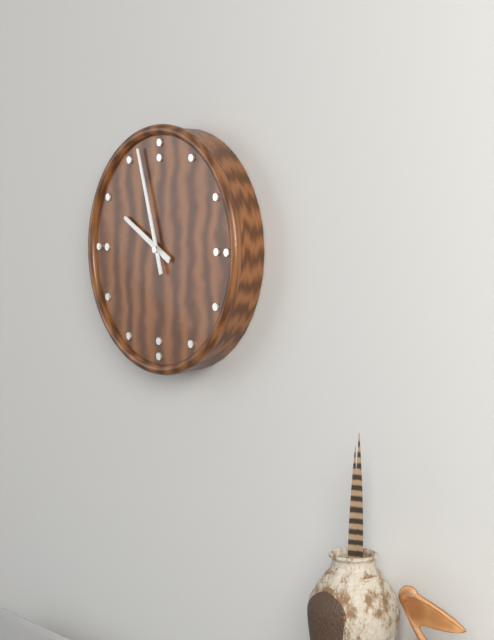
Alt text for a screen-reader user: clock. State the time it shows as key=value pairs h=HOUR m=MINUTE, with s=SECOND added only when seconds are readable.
h=9 m=57
